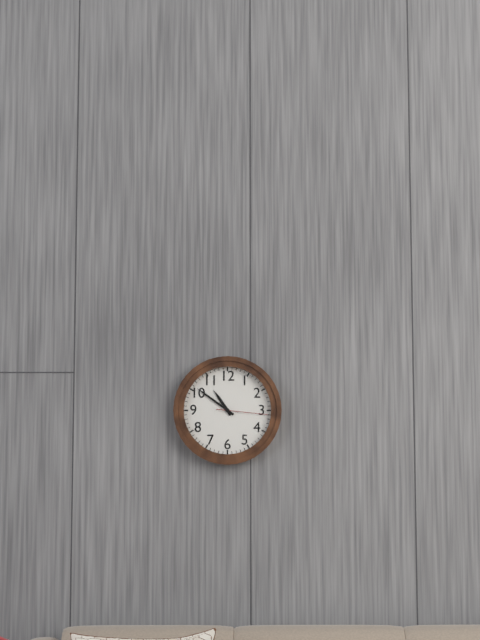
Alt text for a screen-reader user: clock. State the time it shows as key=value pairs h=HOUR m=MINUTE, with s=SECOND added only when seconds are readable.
h=10 m=51 s=16
